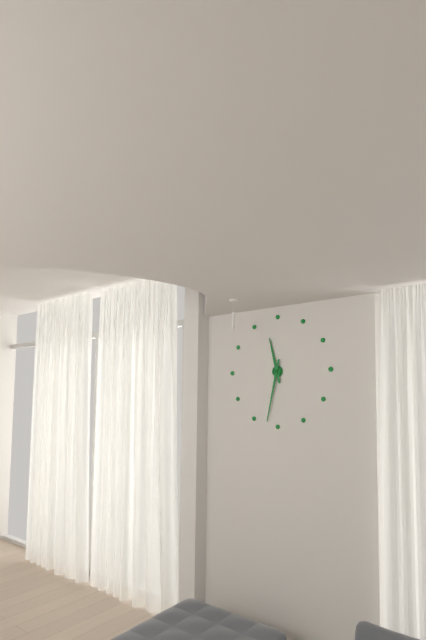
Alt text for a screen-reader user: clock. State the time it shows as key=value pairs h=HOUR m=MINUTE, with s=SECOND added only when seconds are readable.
h=11 m=32
